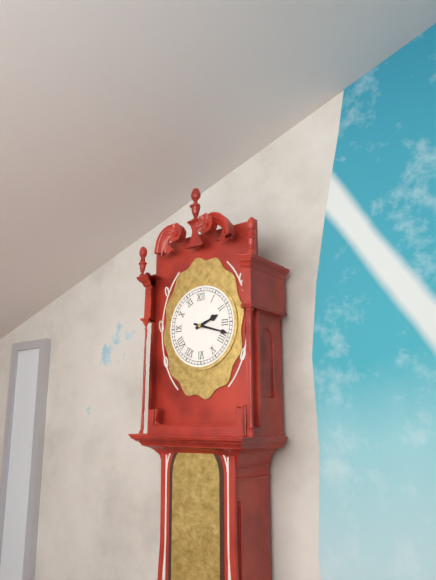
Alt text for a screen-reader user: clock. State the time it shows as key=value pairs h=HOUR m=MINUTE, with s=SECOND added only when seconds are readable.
h=2 m=18
